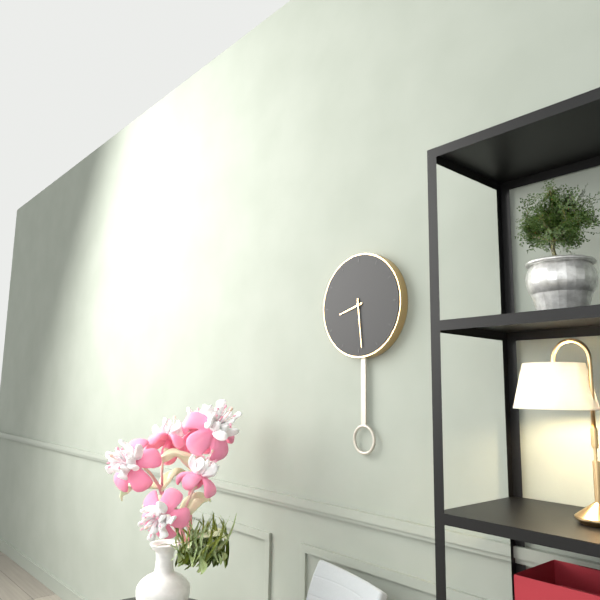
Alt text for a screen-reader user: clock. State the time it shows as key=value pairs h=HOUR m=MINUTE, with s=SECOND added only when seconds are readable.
h=8 m=29
